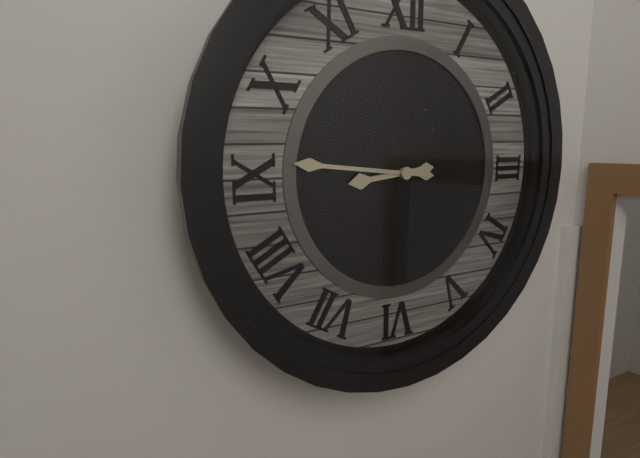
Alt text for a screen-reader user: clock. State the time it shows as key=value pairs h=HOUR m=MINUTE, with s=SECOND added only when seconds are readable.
h=8 m=46
